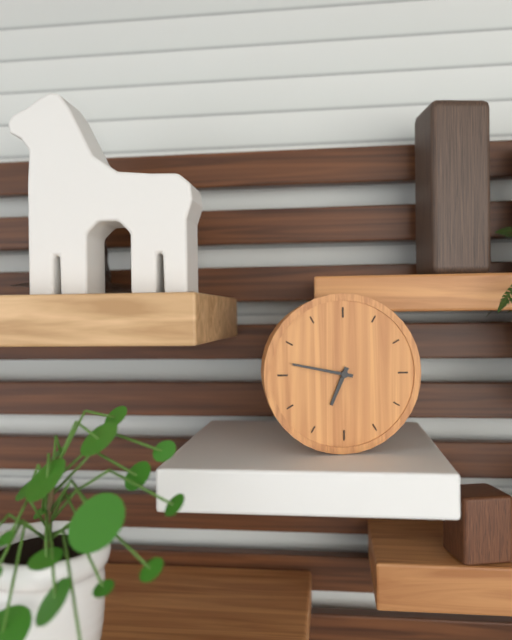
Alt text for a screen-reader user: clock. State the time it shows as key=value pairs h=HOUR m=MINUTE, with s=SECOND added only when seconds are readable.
h=6 m=47
